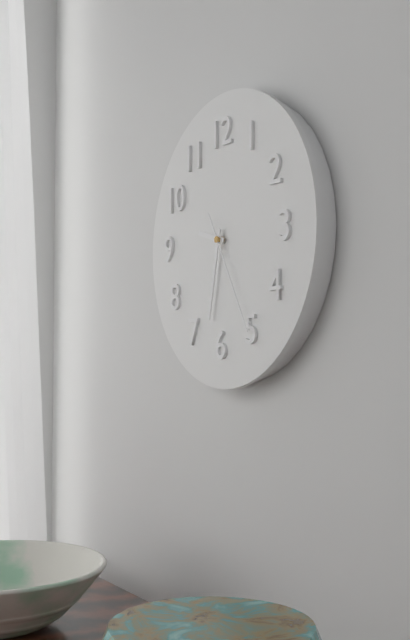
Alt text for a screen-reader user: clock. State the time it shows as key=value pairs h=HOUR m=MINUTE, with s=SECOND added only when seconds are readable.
h=9 m=32 s=25
